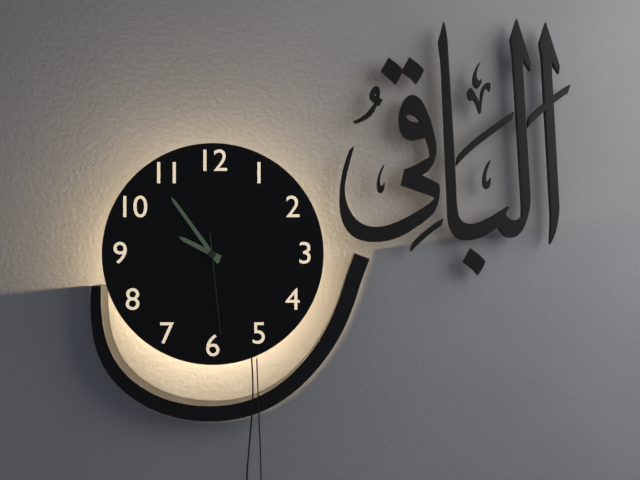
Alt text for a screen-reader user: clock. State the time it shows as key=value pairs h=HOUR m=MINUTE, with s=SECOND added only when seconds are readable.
h=9 m=54 s=29
